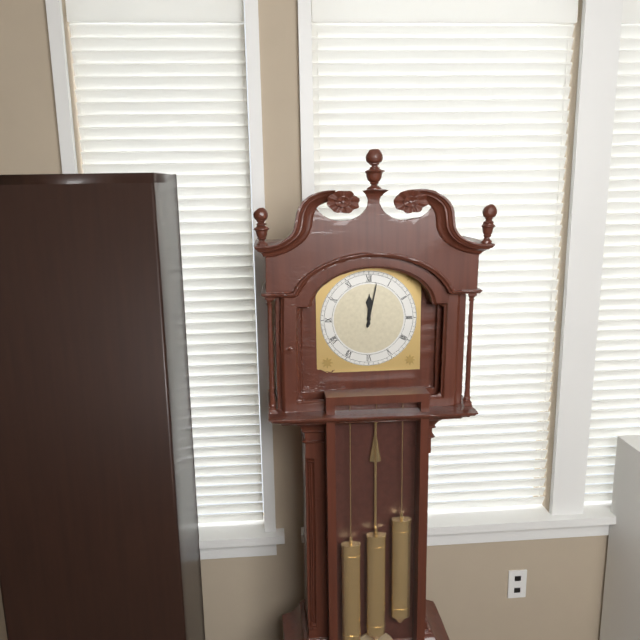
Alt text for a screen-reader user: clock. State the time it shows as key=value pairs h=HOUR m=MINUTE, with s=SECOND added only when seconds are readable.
h=12 m=2
